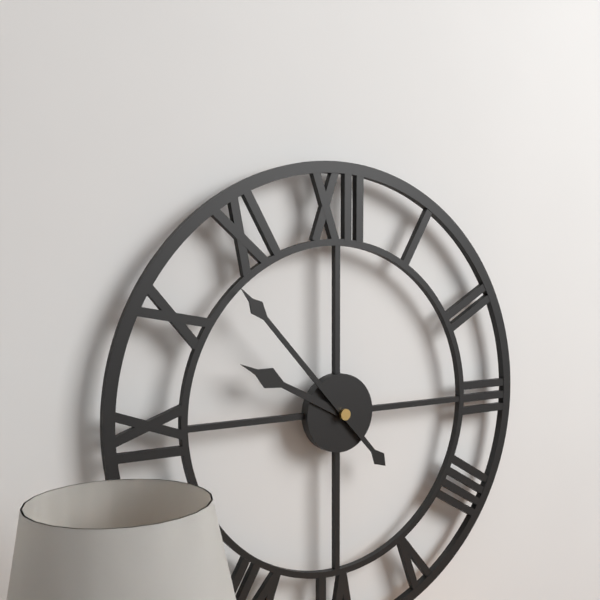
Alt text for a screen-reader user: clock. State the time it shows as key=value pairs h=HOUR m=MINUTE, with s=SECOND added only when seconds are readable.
h=9 m=53
